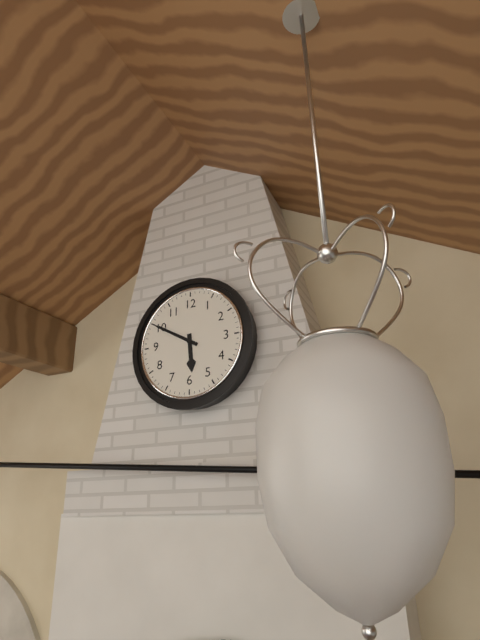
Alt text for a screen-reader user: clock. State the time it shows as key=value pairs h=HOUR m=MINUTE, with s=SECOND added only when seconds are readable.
h=5 m=50
